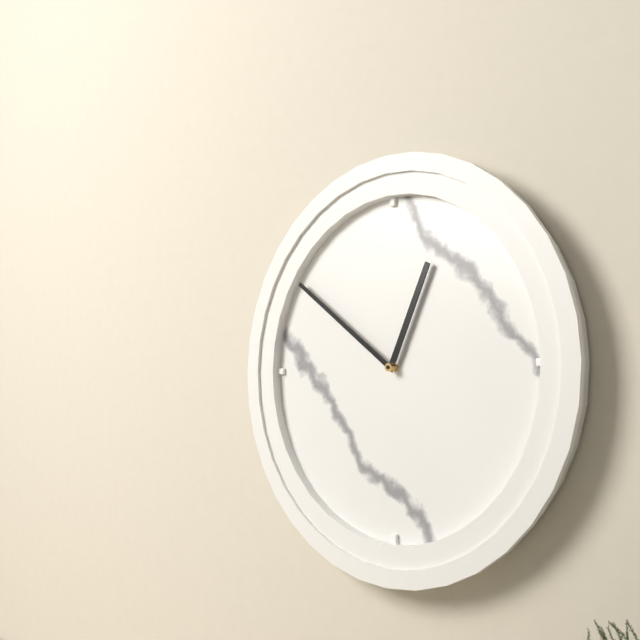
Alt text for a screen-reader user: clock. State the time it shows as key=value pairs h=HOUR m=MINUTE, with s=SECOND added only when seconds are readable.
h=12 m=51
